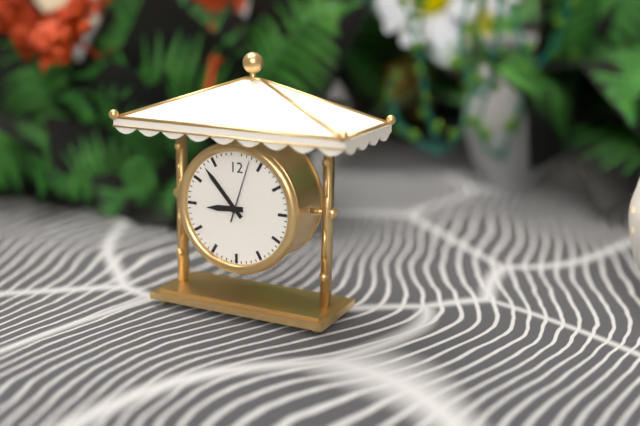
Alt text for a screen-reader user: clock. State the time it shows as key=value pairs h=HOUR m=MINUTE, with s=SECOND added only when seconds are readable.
h=8 m=53 s=3
